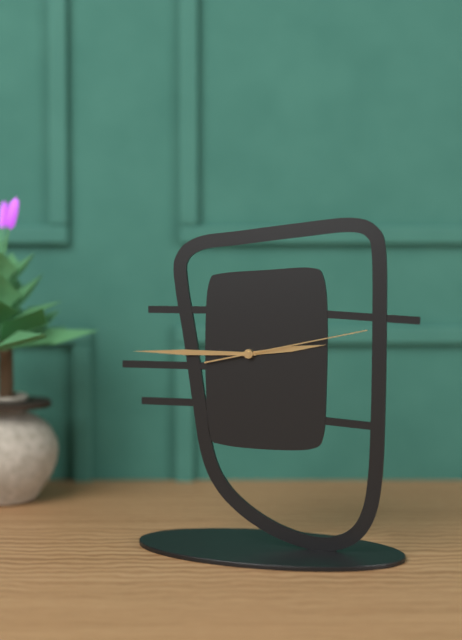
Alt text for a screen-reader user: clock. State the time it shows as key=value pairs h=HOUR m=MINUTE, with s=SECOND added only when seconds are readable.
h=2 m=45 s=13
